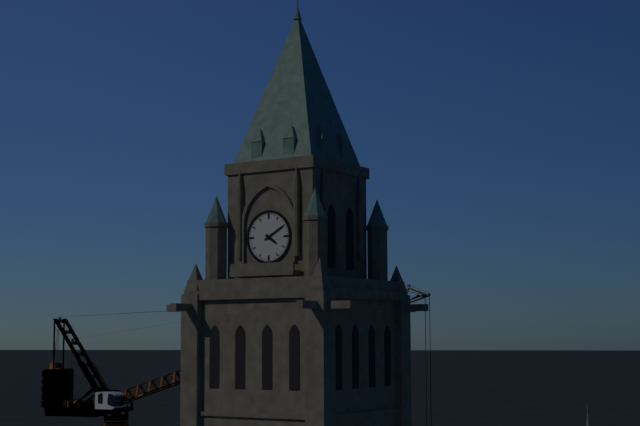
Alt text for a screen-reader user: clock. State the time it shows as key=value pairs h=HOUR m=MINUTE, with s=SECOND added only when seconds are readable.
h=4 m=10
